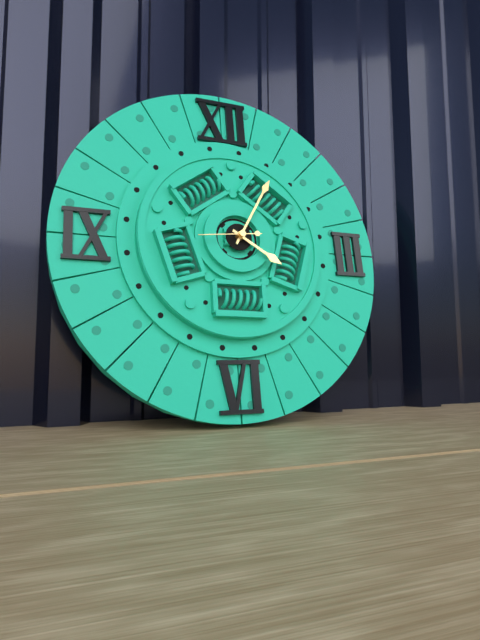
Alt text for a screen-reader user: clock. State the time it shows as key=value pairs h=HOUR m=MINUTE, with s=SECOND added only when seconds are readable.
h=4 m=5
